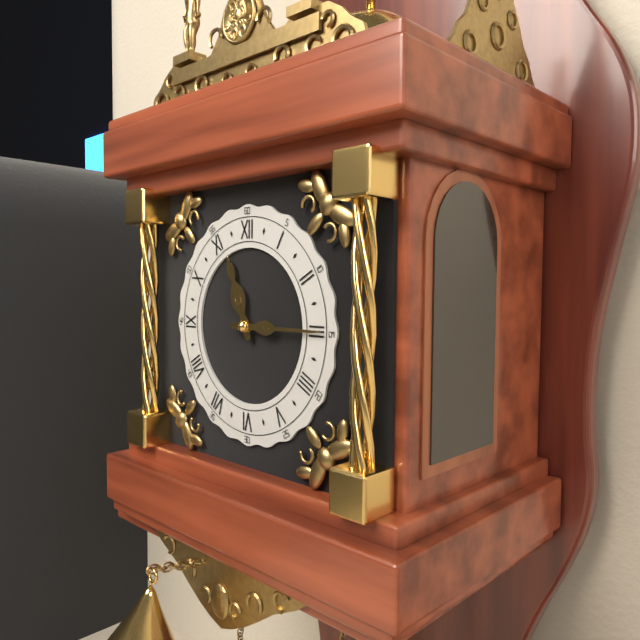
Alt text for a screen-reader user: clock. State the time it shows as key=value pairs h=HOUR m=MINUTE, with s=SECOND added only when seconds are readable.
h=11 m=15
